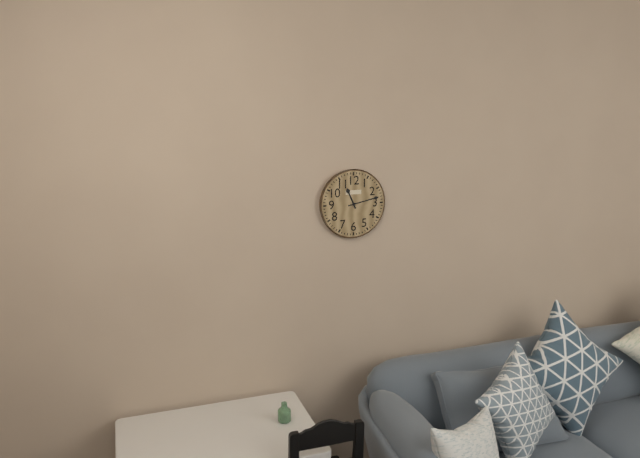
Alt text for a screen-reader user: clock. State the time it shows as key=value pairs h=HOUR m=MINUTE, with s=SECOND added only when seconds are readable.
h=11 m=13
